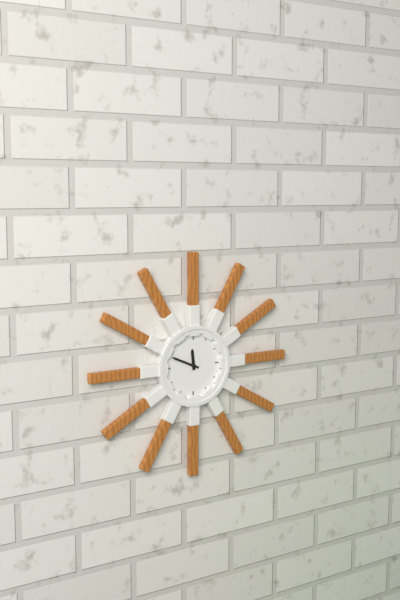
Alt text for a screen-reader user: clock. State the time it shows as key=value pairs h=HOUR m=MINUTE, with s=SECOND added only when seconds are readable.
h=11 m=49
